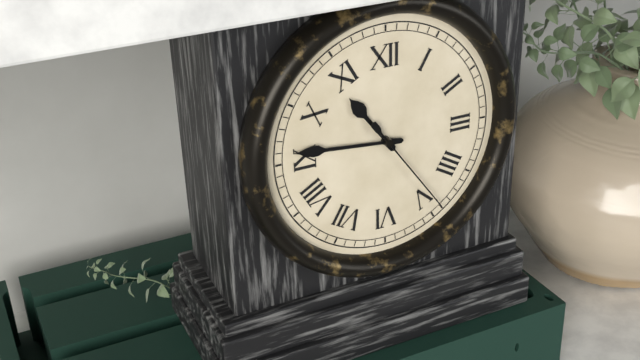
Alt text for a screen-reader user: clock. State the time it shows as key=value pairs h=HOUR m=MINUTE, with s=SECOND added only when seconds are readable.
h=10 m=46 s=24
